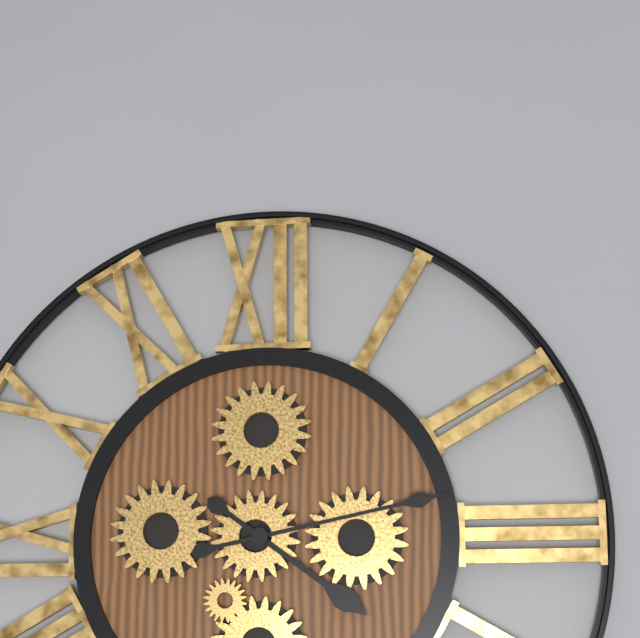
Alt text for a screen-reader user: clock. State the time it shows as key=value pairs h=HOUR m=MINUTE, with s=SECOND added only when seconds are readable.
h=4 m=13
